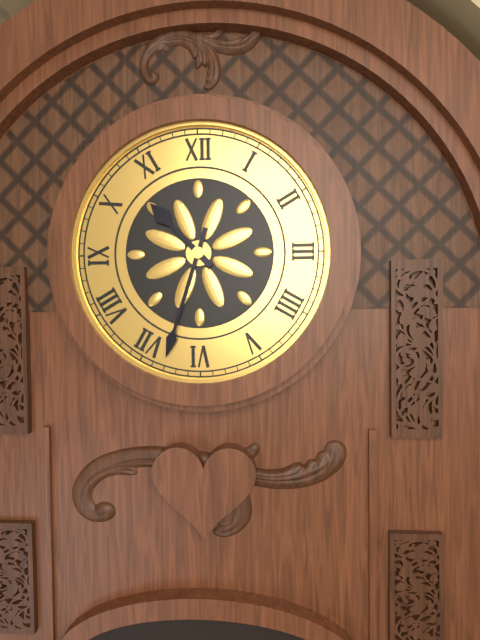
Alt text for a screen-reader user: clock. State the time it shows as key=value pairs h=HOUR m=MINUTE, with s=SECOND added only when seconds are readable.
h=10 m=33
